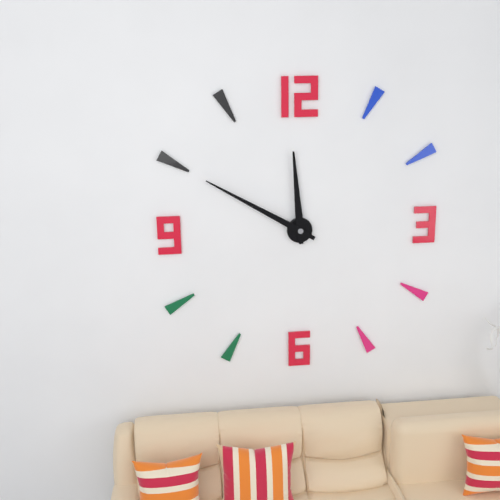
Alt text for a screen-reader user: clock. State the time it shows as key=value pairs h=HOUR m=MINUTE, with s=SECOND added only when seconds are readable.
h=11 m=50
